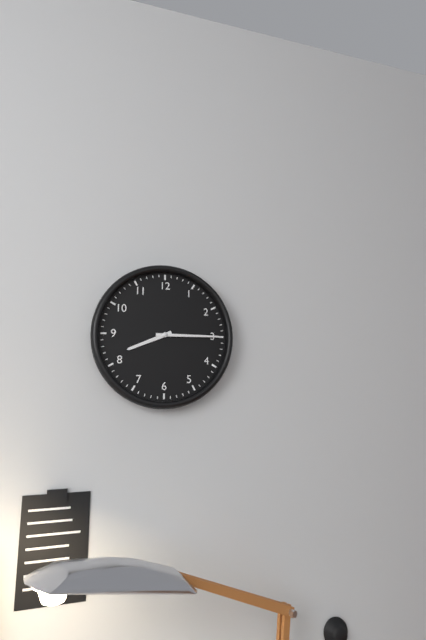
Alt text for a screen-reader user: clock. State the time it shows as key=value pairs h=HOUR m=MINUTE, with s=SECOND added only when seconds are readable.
h=8 m=15
